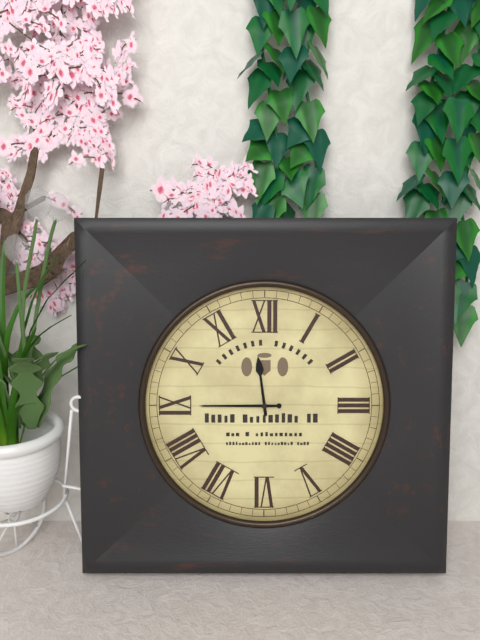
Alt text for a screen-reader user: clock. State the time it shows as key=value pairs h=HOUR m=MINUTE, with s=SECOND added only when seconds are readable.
h=11 m=45
